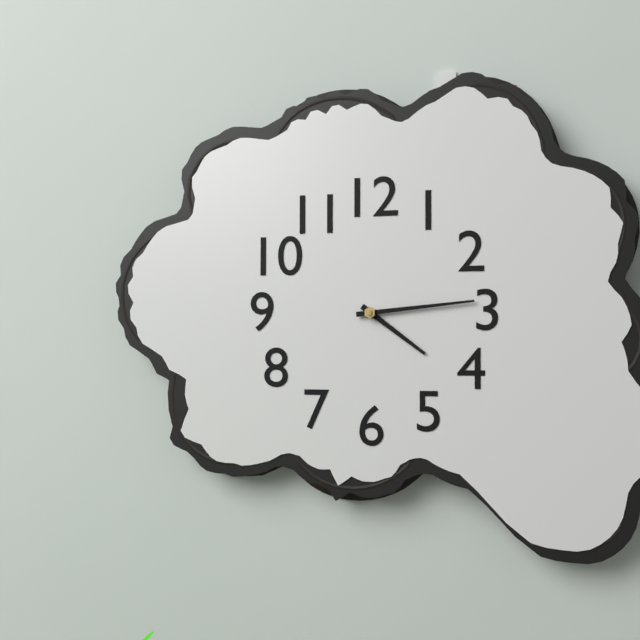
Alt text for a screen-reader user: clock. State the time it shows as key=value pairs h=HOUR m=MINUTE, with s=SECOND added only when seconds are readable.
h=4 m=14
